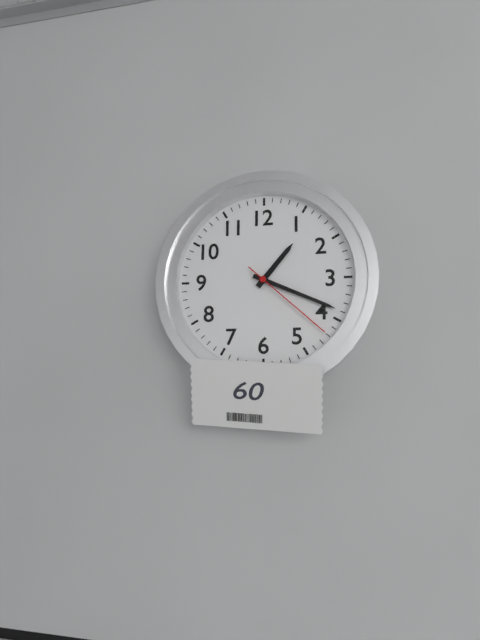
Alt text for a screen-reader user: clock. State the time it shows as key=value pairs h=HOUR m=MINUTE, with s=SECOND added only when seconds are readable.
h=1 m=19 s=22
